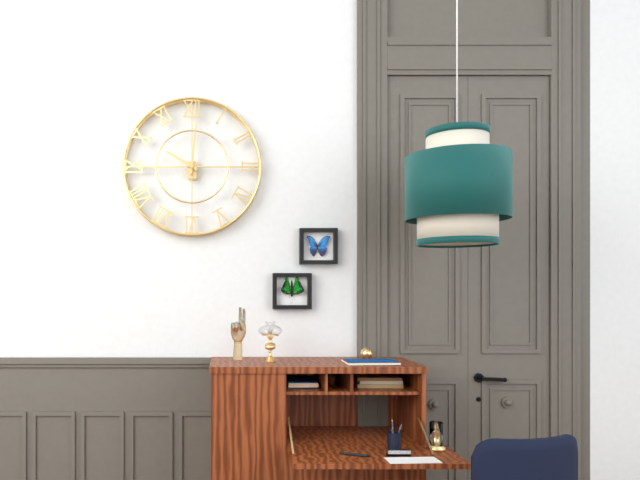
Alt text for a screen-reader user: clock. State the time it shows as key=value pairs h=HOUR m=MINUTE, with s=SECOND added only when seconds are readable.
h=10 m=1
